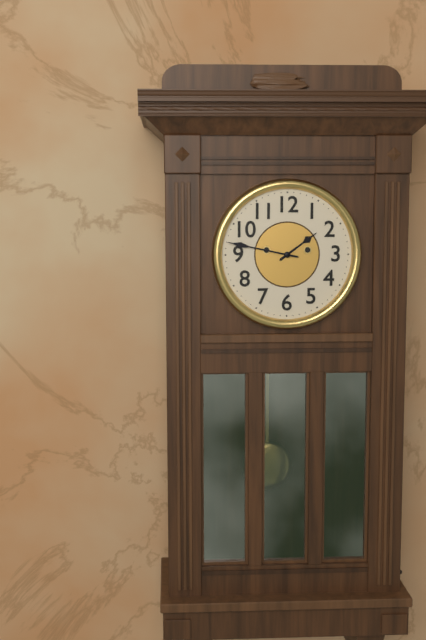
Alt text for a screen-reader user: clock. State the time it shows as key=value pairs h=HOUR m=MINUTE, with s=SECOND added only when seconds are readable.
h=1 m=47
